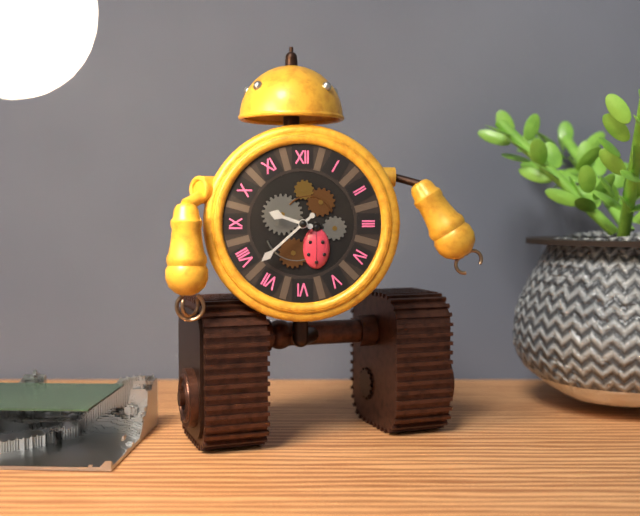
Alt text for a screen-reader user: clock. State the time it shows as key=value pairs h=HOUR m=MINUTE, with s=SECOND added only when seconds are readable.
h=9 m=38
